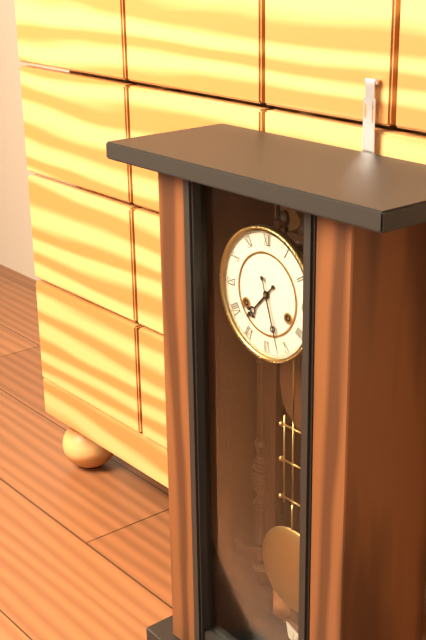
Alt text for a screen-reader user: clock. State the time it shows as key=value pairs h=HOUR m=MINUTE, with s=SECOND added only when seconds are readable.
h=7 m=27
